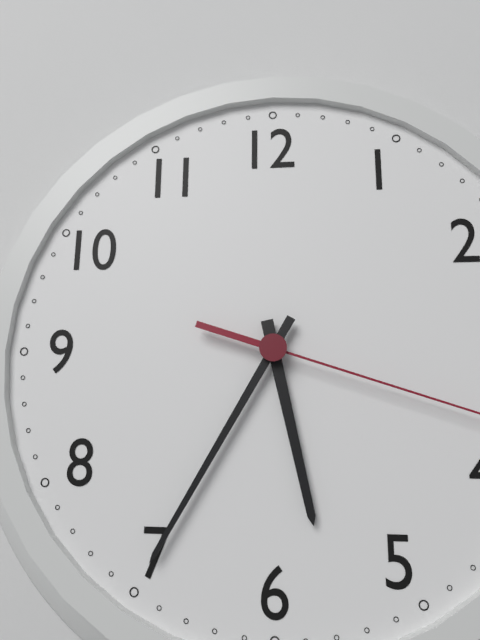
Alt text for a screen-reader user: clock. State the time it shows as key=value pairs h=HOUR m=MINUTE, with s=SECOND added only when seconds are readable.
h=5 m=35
